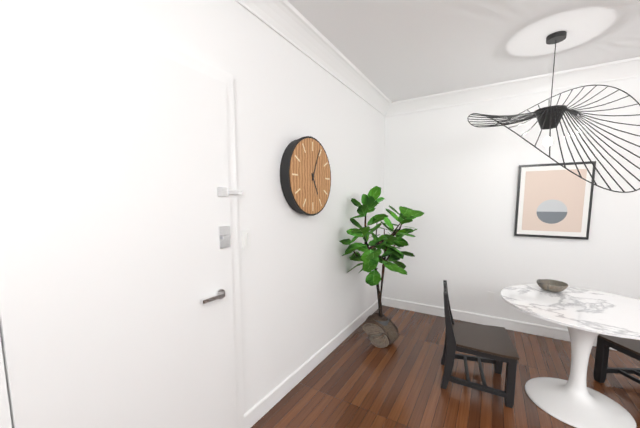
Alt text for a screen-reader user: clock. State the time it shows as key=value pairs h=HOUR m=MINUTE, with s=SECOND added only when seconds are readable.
h=5 m=4
